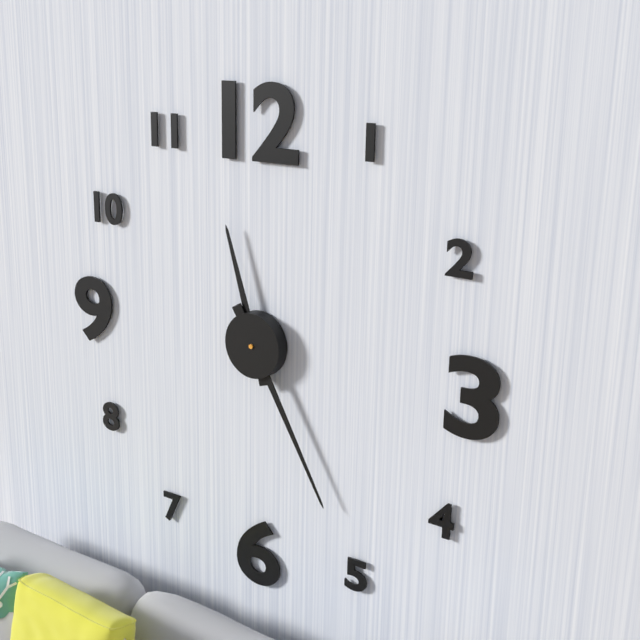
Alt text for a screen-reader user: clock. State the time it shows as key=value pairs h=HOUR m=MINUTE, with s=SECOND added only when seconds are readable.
h=11 m=25
